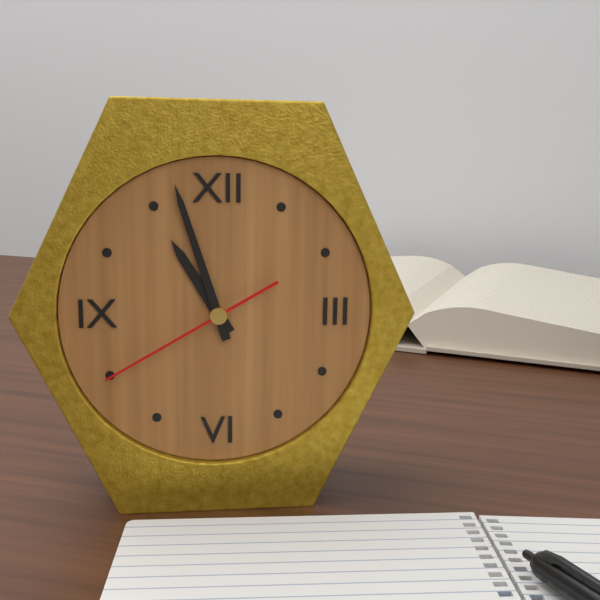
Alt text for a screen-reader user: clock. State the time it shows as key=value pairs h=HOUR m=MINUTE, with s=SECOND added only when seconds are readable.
h=10 m=57 s=40
